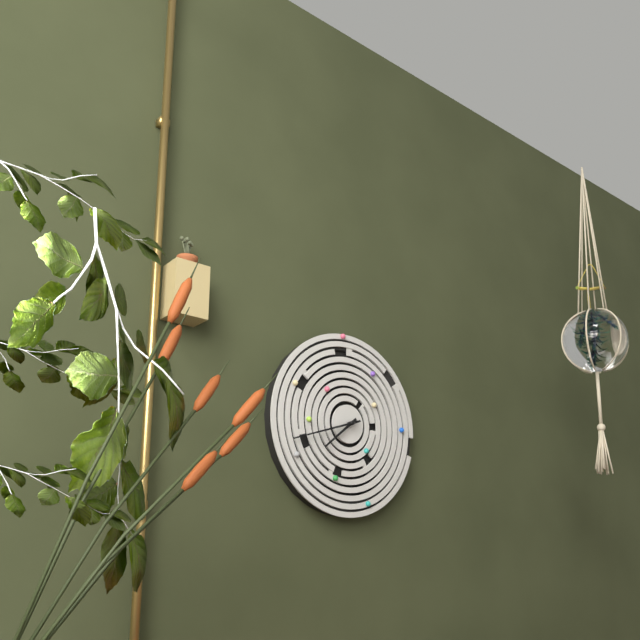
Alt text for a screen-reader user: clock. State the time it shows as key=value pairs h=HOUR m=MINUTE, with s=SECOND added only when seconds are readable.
h=7 m=42
